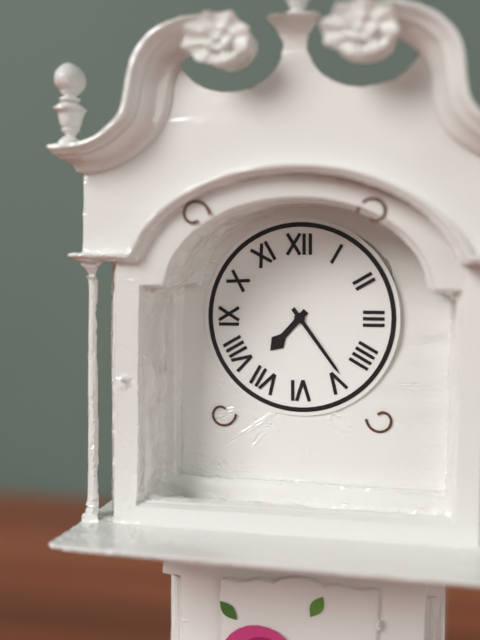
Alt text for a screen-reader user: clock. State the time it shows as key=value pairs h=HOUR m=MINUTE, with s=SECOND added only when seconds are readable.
h=7 m=24
